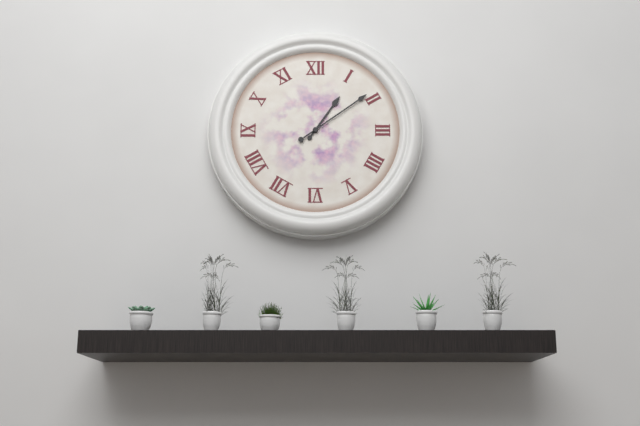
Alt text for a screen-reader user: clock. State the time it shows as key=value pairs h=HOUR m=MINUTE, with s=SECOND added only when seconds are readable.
h=1 m=9
